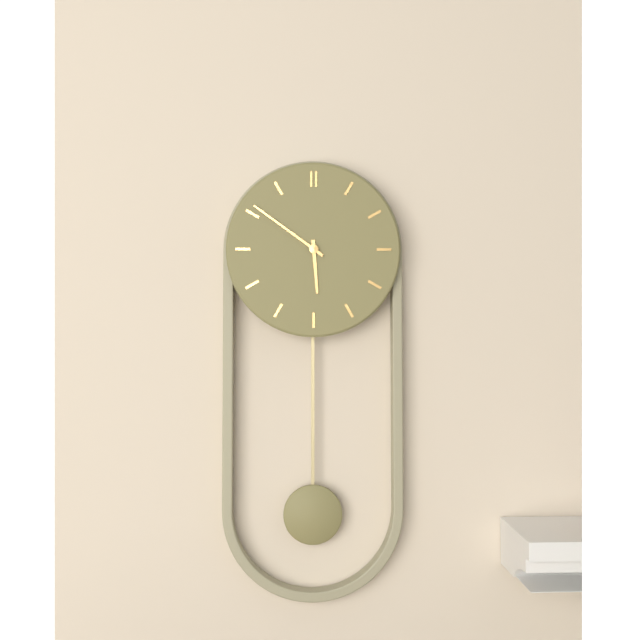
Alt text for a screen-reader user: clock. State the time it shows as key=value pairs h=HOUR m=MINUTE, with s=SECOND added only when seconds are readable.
h=5 m=51
